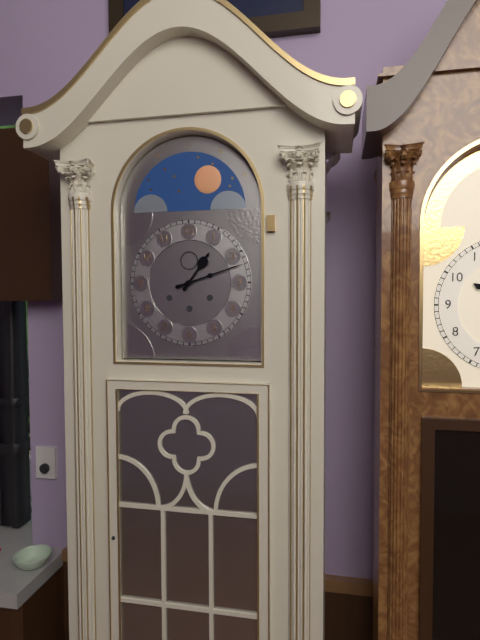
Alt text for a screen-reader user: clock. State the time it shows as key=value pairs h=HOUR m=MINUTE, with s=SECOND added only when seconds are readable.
h=1 m=12
